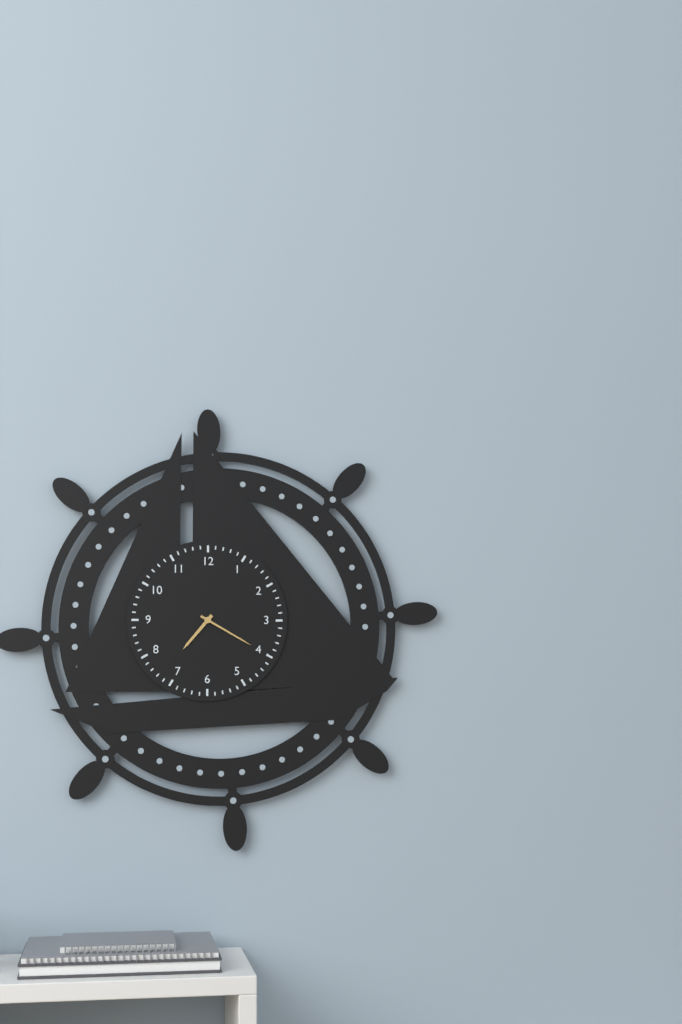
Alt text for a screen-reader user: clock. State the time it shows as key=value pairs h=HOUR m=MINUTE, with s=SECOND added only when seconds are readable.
h=7 m=20
